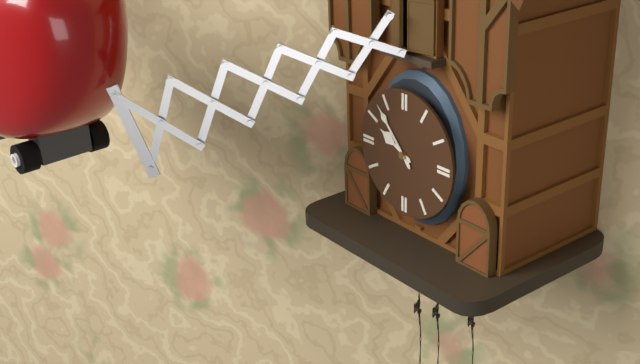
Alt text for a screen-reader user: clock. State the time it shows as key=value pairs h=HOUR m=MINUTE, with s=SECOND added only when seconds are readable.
h=9 m=53
